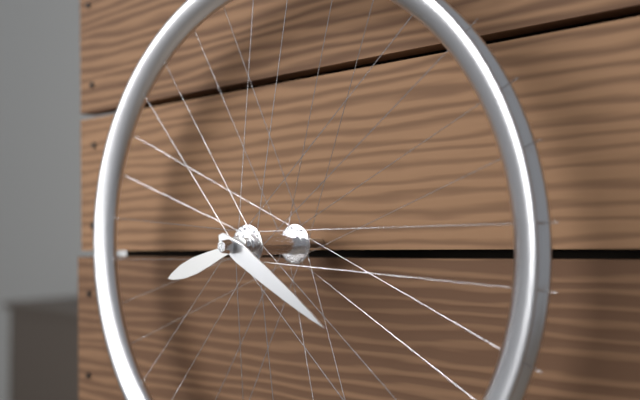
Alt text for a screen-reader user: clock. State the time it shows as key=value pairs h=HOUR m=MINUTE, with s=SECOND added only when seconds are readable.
h=8 m=20
